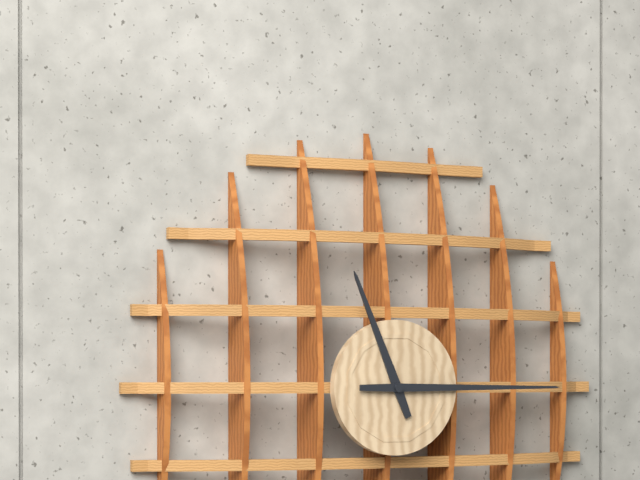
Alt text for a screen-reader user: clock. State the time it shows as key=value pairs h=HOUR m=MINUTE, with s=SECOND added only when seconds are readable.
h=11 m=15
